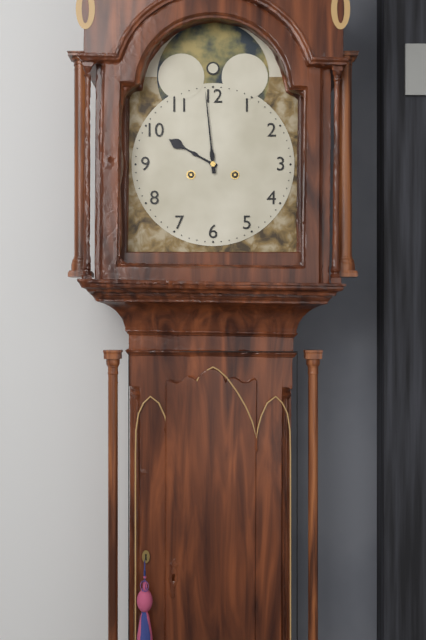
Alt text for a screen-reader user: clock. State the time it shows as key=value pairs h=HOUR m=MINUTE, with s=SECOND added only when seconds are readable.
h=9 m=59
